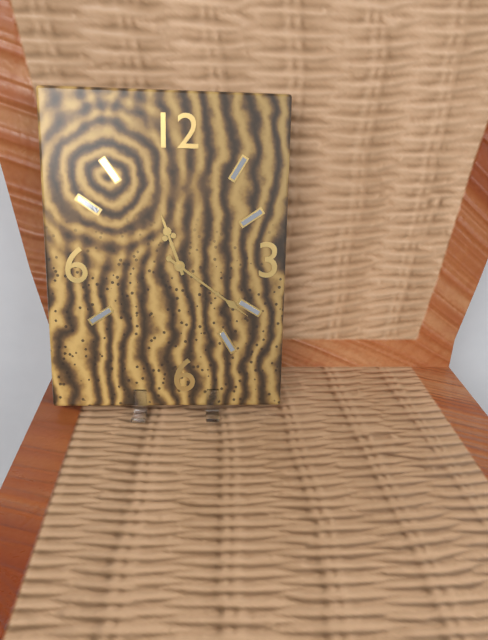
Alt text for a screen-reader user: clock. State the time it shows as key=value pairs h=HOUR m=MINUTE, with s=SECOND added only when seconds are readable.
h=11 m=21
